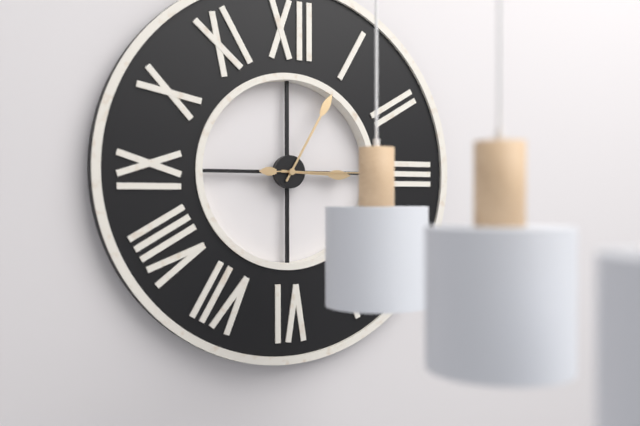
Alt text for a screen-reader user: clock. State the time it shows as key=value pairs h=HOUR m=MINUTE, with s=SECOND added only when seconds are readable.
h=3 m=5
